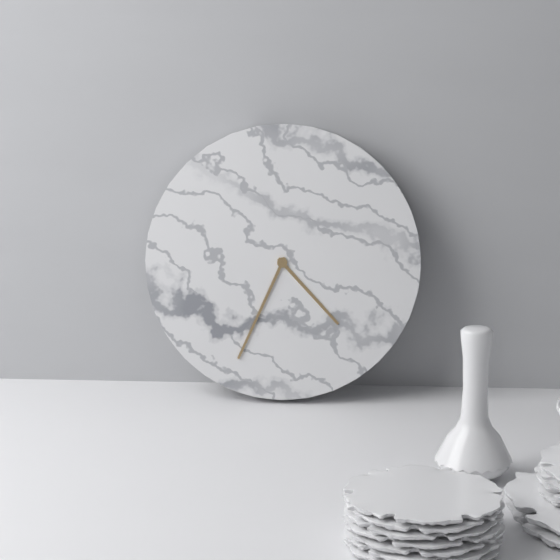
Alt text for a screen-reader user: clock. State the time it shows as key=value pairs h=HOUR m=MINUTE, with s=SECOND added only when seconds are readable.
h=4 m=34
